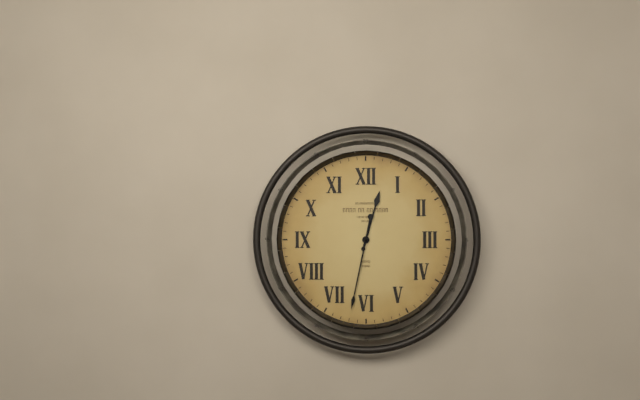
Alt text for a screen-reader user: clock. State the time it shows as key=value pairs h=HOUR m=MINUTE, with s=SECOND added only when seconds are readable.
h=12 m=32
